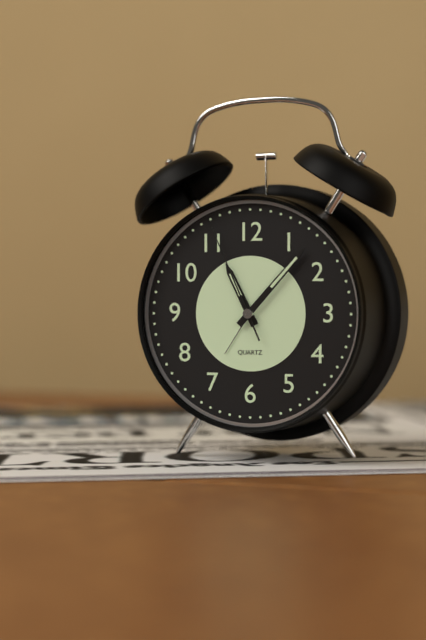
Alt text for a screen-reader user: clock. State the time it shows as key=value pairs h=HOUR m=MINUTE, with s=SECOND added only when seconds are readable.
h=11 m=7 s=56
